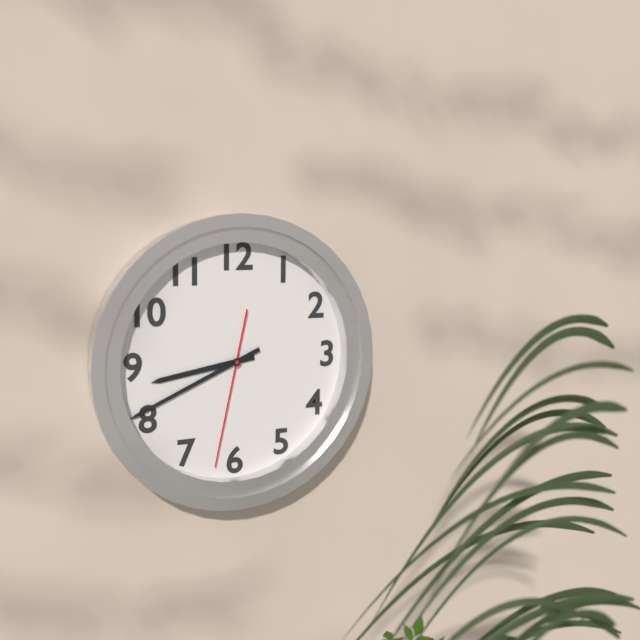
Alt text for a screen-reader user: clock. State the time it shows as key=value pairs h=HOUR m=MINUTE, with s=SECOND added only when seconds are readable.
h=8 m=41 s=32
